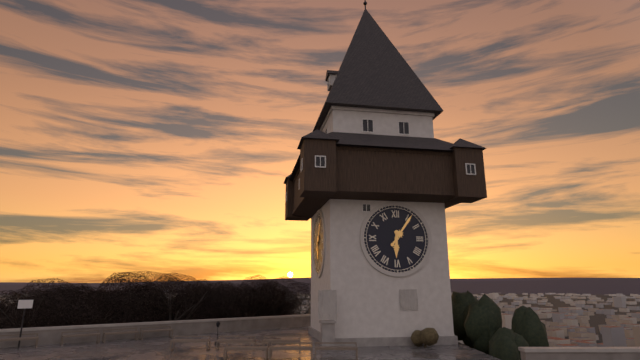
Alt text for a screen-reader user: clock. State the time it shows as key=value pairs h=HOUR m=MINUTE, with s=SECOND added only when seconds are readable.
h=6 m=6
